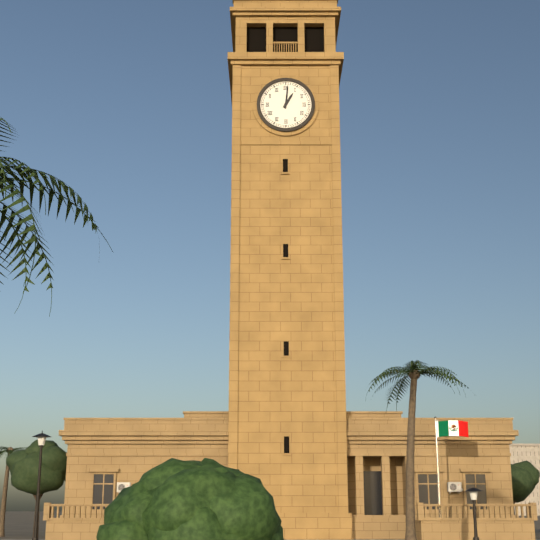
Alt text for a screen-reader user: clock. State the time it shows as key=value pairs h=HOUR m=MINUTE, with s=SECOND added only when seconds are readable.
h=1 m=1
